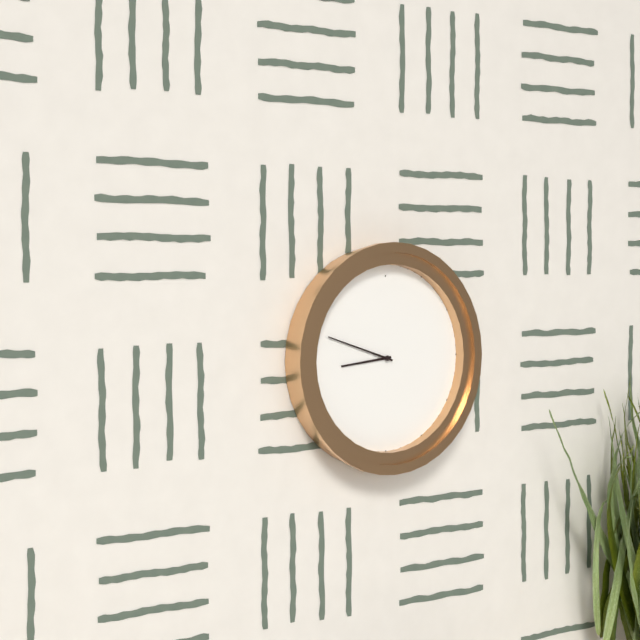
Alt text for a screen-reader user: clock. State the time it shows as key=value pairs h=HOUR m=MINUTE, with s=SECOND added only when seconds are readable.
h=8 m=48
